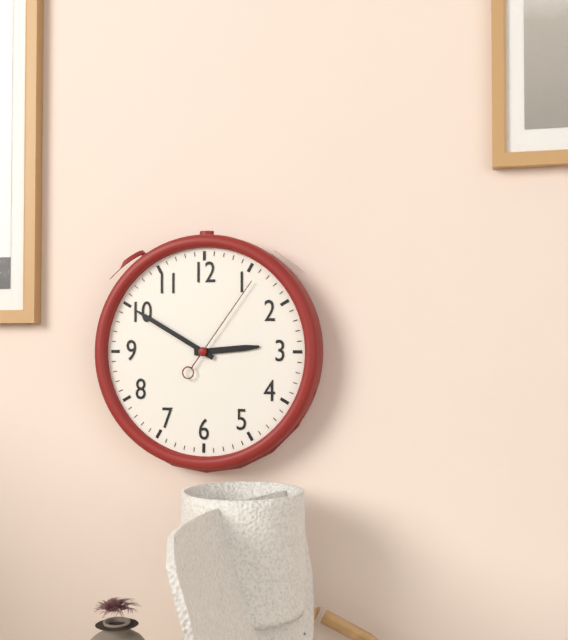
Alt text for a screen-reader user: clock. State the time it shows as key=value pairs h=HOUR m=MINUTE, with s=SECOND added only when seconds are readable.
h=2 m=50 s=6
